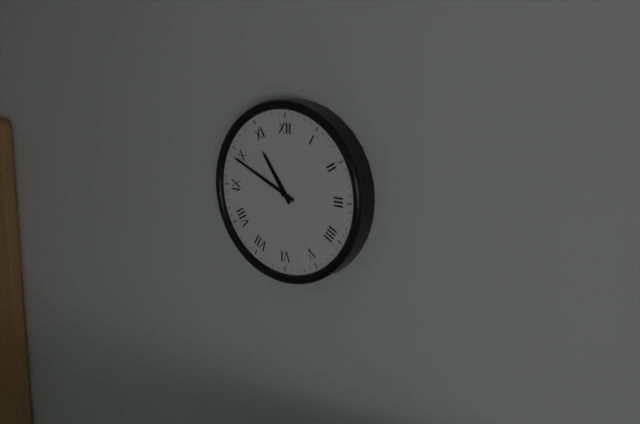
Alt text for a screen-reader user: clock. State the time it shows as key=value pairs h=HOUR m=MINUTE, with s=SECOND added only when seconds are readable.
h=10 m=49
